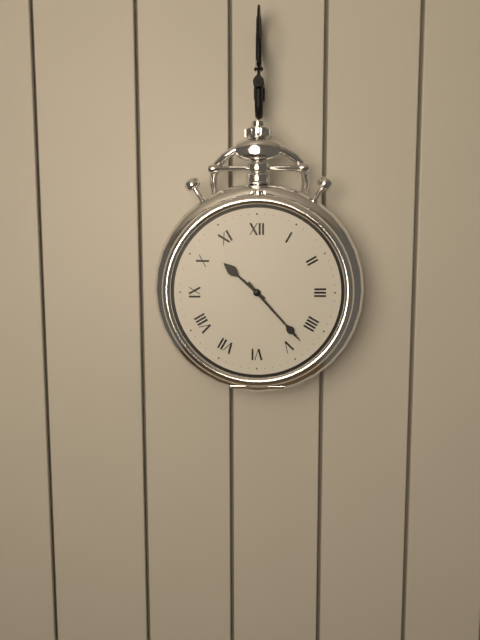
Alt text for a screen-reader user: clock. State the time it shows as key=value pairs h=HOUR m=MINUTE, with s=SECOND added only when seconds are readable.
h=10 m=23
